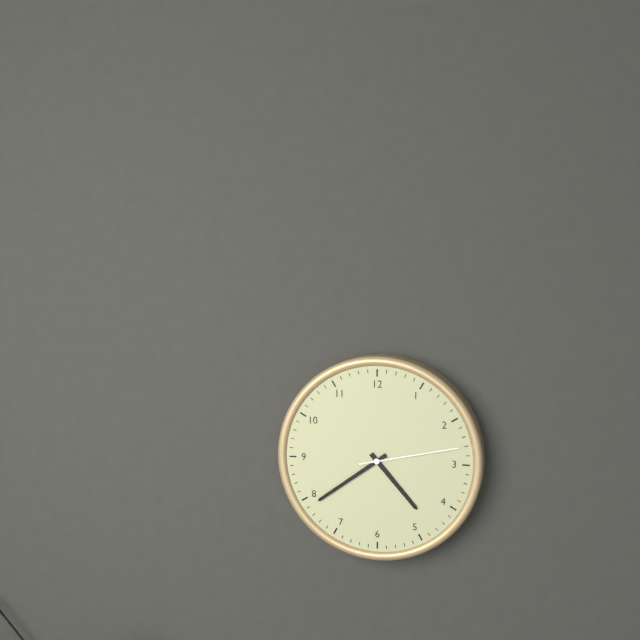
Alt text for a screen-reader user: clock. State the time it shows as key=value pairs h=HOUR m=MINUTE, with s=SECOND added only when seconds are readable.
h=4 m=39 s=13
